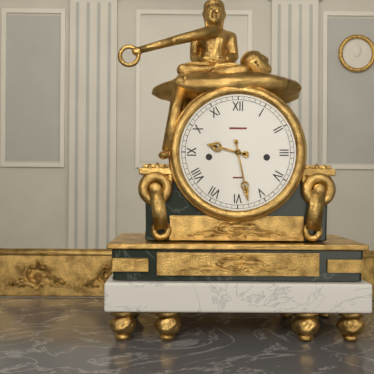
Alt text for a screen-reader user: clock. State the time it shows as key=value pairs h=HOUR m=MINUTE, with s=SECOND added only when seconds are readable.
h=9 m=28
